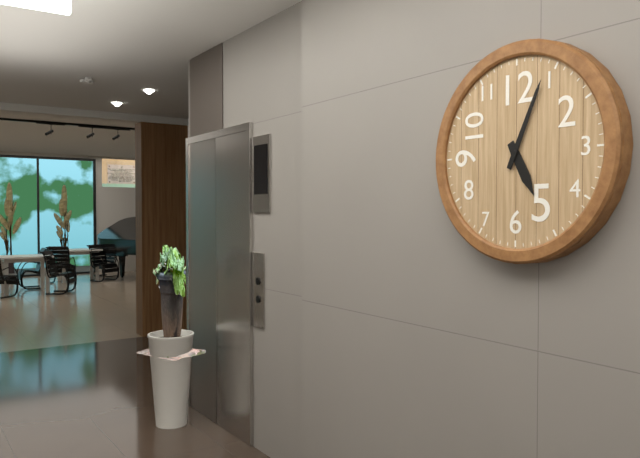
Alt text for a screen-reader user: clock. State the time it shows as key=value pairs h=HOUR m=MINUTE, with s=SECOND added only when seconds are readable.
h=5 m=4
